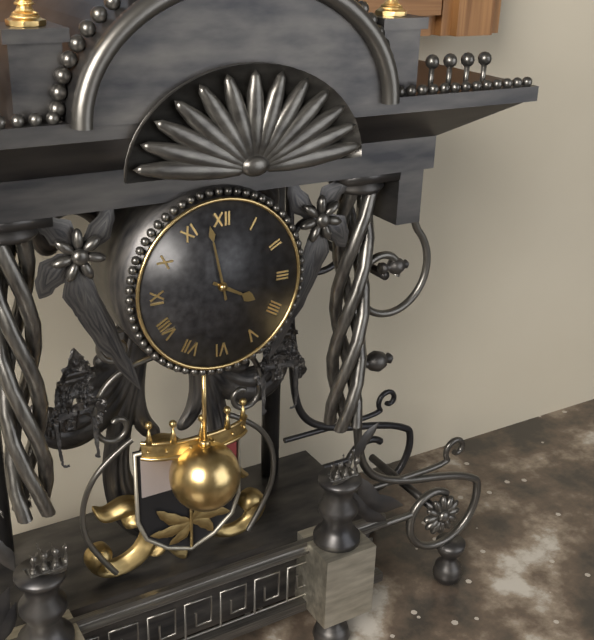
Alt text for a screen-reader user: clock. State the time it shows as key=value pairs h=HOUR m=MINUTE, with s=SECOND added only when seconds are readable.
h=3 m=58
